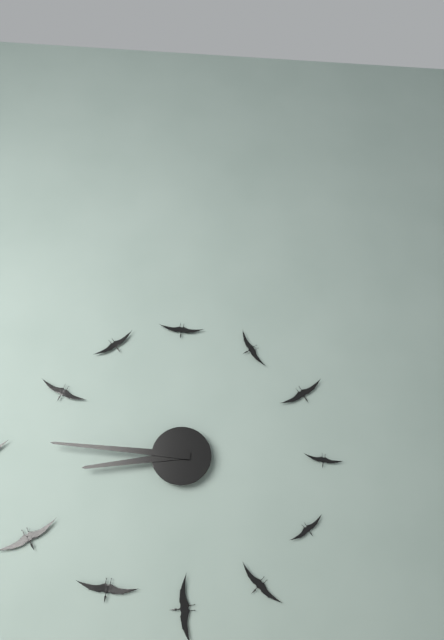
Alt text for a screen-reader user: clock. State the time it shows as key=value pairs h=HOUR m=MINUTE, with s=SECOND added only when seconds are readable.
h=8 m=46
